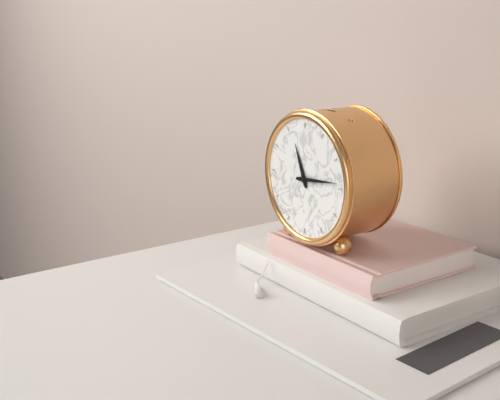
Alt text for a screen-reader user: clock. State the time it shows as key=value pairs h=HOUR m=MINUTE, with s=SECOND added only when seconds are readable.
h=11 m=14
